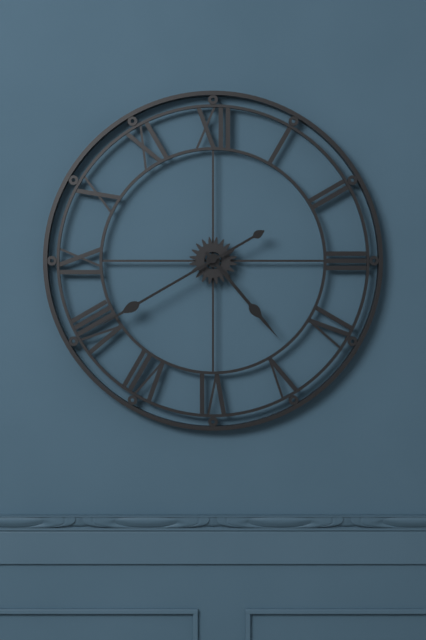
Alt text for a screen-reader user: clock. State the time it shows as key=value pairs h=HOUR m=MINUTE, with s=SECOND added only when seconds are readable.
h=4 m=40
